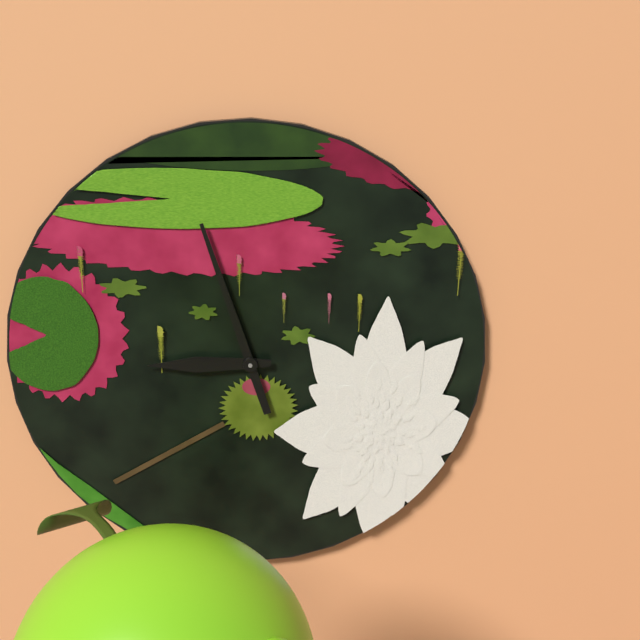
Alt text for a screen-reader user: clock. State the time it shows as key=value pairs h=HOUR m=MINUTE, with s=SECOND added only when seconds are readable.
h=8 m=57
